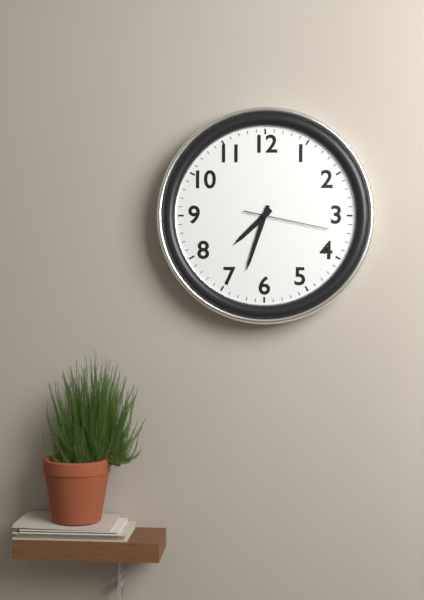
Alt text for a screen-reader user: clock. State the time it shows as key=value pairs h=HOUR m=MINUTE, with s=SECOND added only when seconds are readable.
h=7 m=33 s=17
